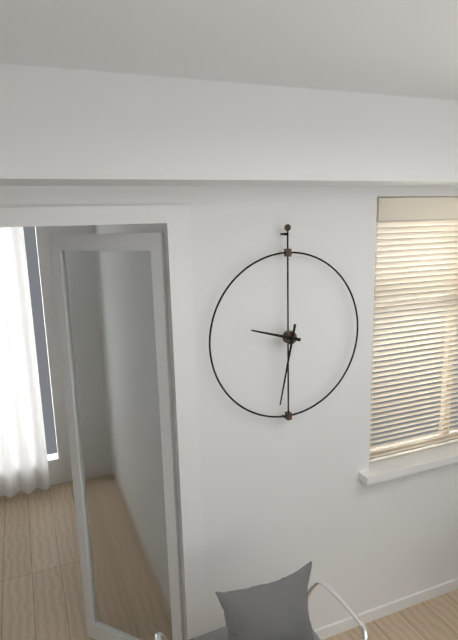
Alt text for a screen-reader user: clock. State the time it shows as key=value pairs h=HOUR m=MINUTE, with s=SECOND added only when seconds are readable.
h=9 m=32
